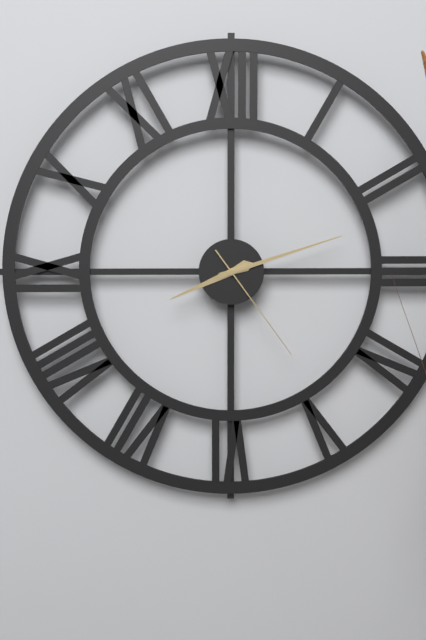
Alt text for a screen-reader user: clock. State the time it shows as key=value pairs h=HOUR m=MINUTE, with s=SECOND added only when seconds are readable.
h=8 m=12 s=24
